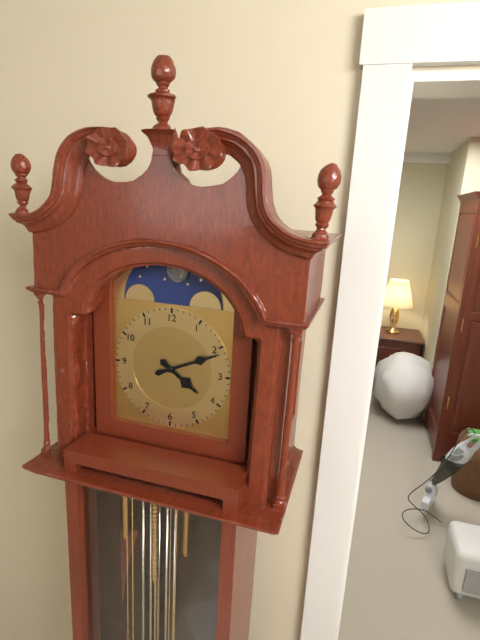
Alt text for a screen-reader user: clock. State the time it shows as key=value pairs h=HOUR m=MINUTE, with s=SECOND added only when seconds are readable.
h=4 m=11
